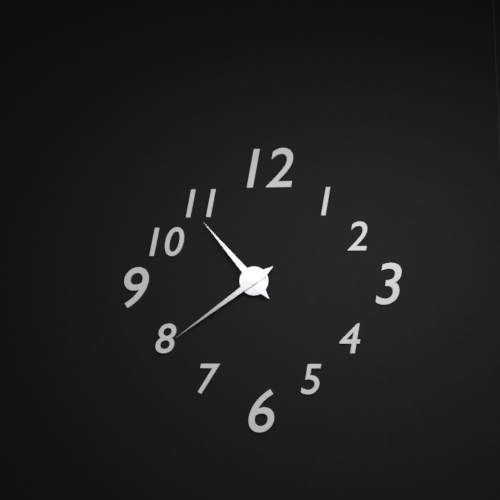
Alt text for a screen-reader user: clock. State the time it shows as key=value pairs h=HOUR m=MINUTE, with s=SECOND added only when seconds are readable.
h=10 m=39
